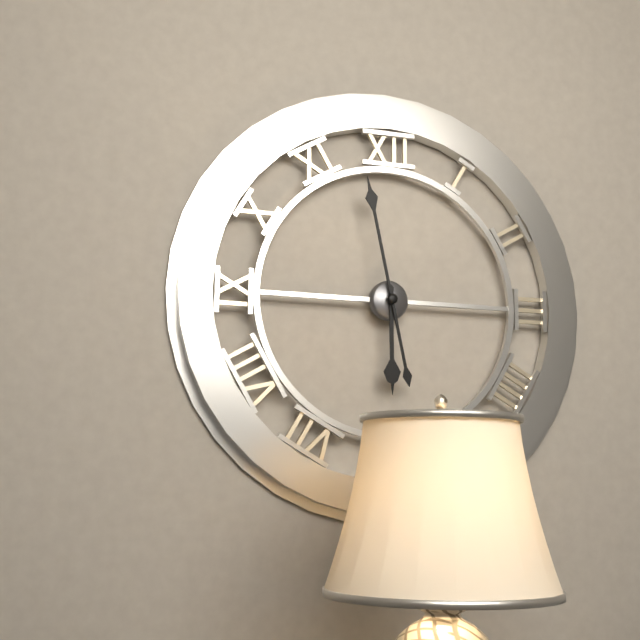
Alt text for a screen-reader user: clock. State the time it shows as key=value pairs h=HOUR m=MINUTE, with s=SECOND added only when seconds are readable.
h=5 m=58
